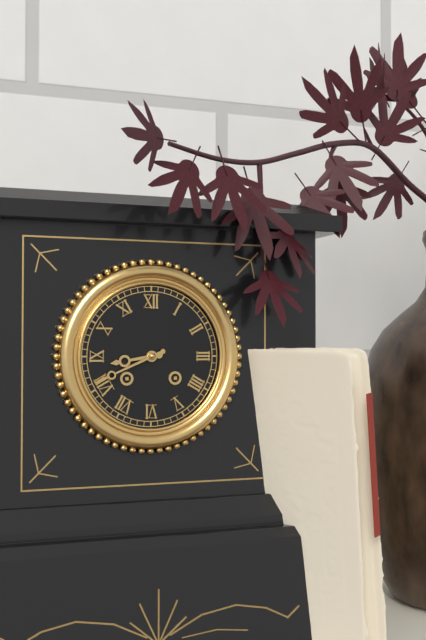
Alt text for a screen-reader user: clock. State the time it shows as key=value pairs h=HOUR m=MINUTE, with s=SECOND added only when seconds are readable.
h=8 m=41
